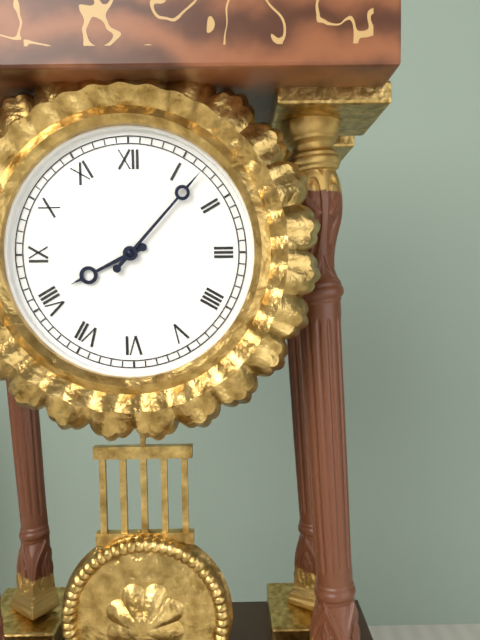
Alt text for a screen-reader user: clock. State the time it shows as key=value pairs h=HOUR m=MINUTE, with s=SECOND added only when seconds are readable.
h=8 m=7
